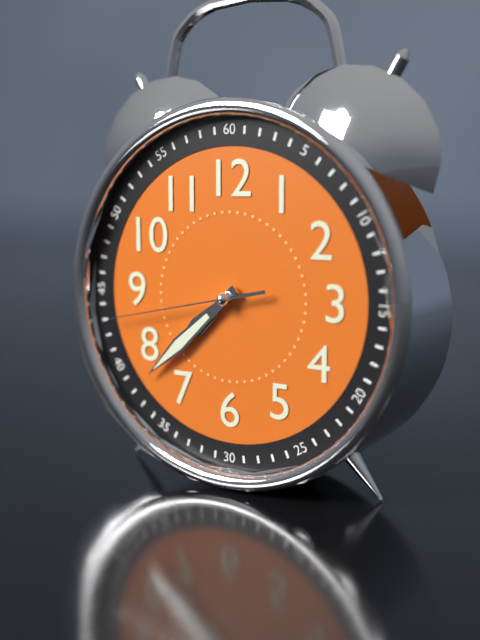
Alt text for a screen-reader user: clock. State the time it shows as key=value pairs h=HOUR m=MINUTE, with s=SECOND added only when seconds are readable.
h=7 m=38 s=43
